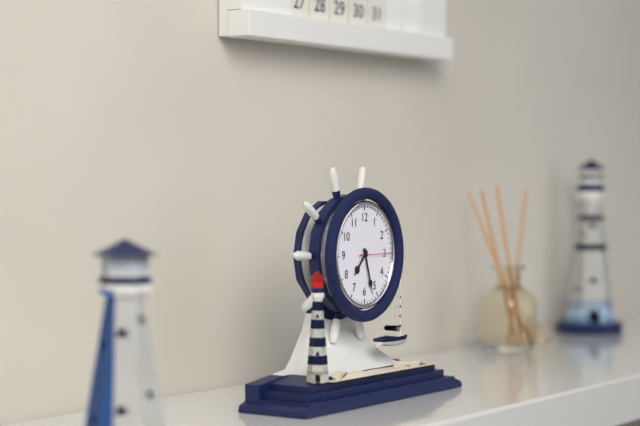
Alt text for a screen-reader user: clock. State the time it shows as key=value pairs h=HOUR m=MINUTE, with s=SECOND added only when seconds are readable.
h=7 m=27
